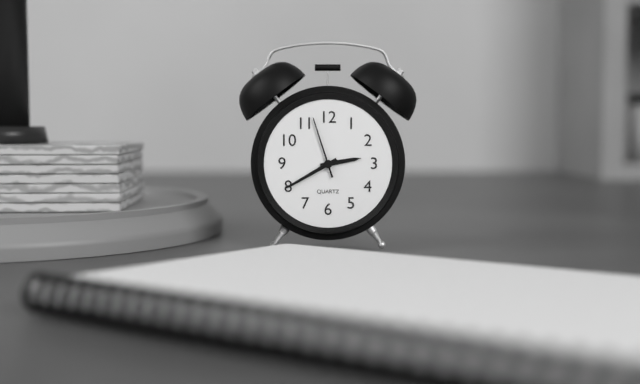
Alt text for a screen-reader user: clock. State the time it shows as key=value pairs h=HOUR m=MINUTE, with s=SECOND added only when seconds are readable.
h=2 m=40 s=57
